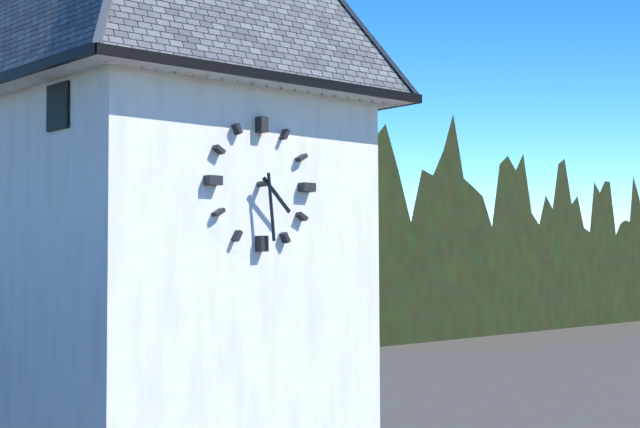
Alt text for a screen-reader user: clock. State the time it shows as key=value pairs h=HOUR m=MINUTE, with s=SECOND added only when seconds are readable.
h=4 m=29
